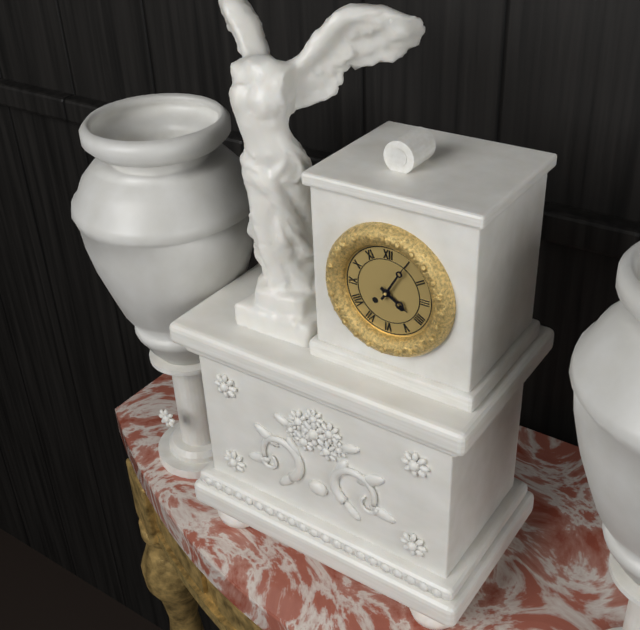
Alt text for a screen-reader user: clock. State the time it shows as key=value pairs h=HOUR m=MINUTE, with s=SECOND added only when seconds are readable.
h=4 m=5
